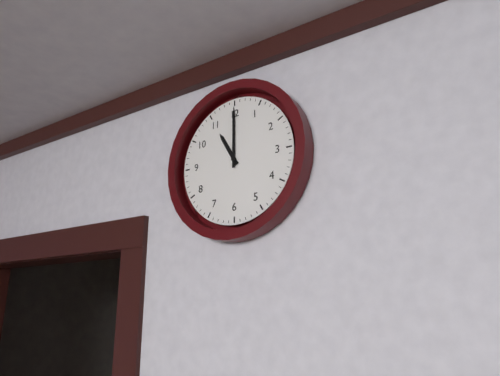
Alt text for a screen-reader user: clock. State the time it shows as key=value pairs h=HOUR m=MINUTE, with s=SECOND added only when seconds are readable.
h=11 m=0
